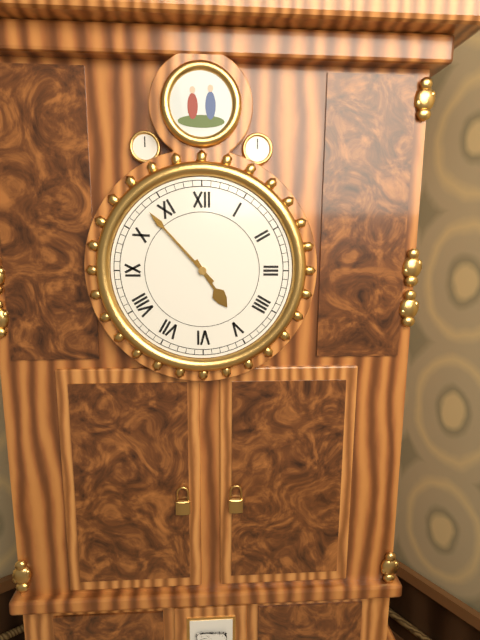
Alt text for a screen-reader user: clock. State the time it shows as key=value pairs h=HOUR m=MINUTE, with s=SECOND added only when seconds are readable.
h=4 m=53
